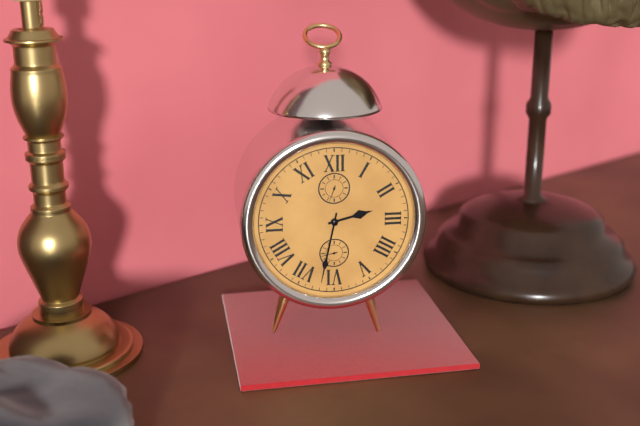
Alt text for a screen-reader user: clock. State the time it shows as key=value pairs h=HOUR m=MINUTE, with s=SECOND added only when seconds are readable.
h=2 m=32
